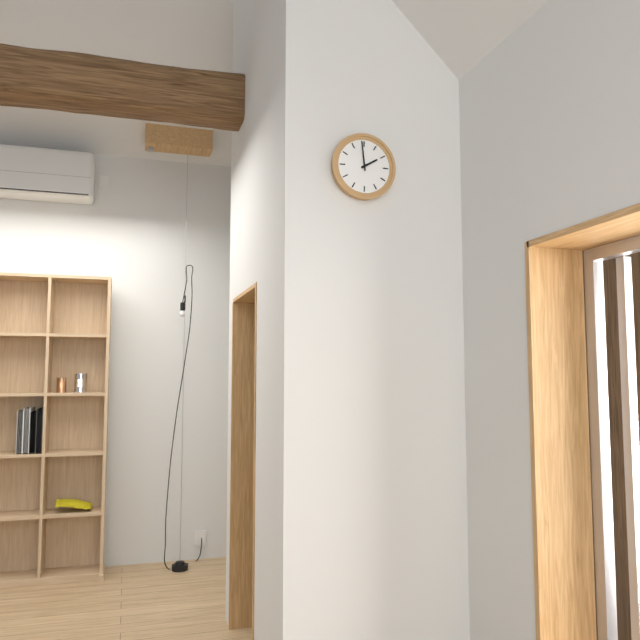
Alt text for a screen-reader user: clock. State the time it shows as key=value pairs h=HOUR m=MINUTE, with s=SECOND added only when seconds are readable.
h=1 m=59
